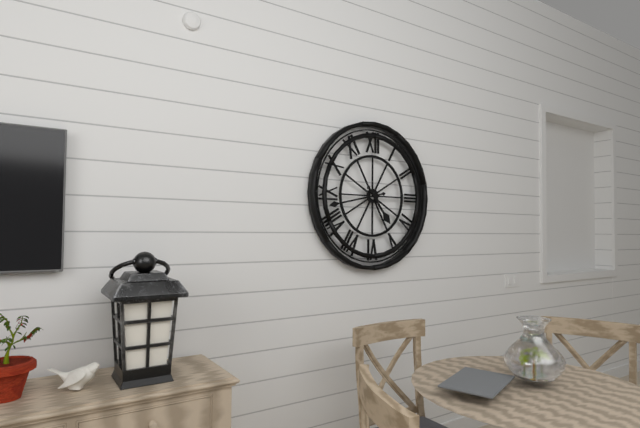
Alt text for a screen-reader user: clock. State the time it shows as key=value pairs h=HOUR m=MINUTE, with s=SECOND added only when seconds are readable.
h=4 m=43
